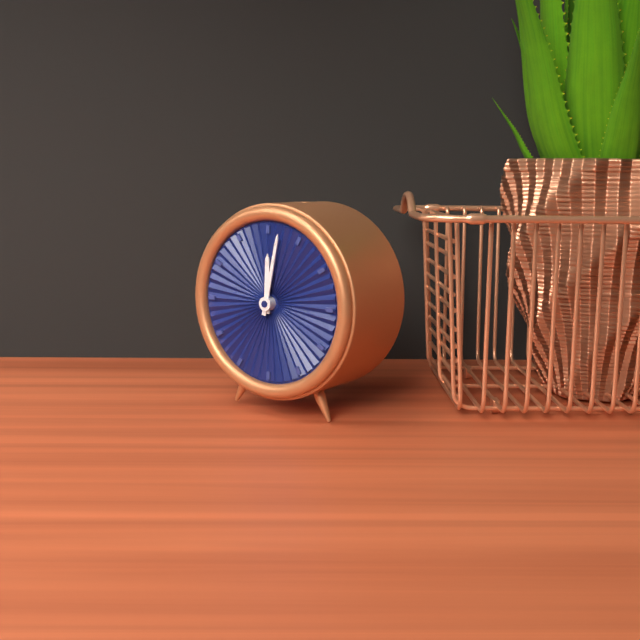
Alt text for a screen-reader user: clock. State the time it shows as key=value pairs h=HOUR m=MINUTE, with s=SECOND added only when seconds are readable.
h=12 m=2
